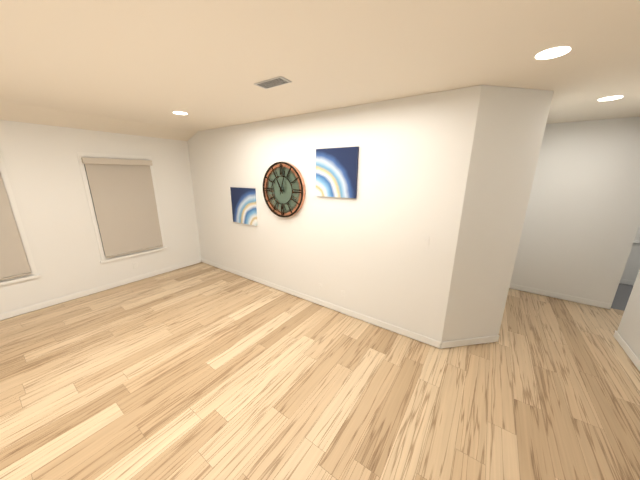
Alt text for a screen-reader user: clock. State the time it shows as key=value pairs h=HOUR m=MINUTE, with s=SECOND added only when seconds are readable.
h=11 m=3
